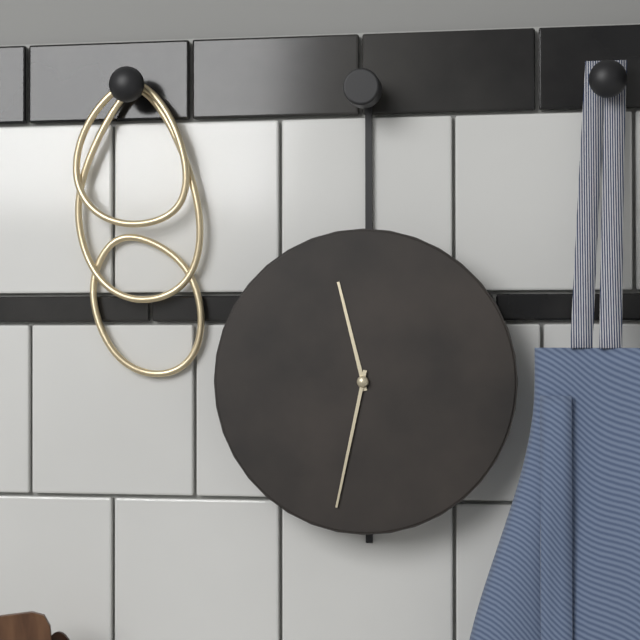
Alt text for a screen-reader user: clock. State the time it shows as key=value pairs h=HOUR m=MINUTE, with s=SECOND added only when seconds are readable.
h=11 m=32
